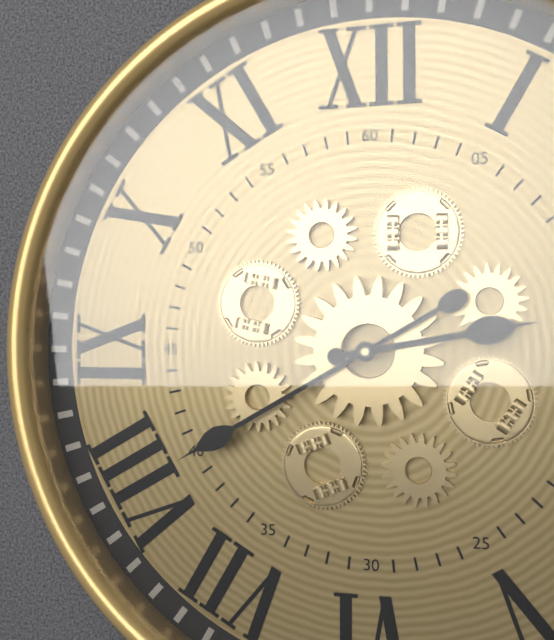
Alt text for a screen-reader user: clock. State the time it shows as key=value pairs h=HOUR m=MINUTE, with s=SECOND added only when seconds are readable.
h=2 m=40
